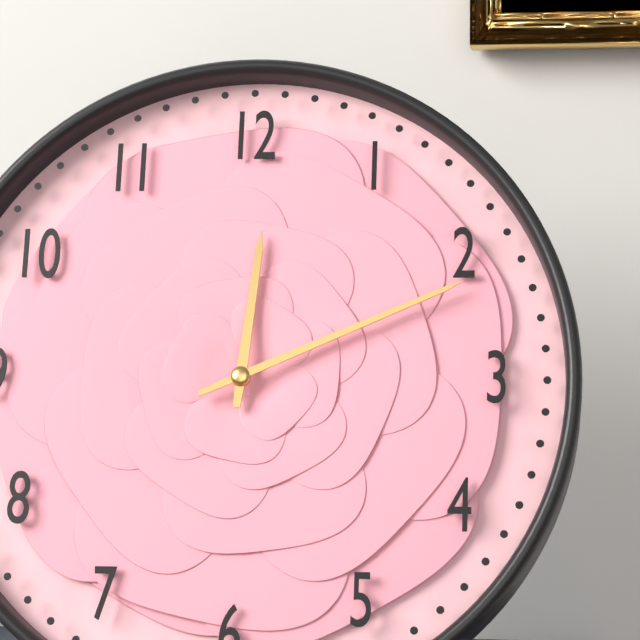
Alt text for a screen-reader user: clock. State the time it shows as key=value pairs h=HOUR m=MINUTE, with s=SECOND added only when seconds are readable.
h=12 m=11
